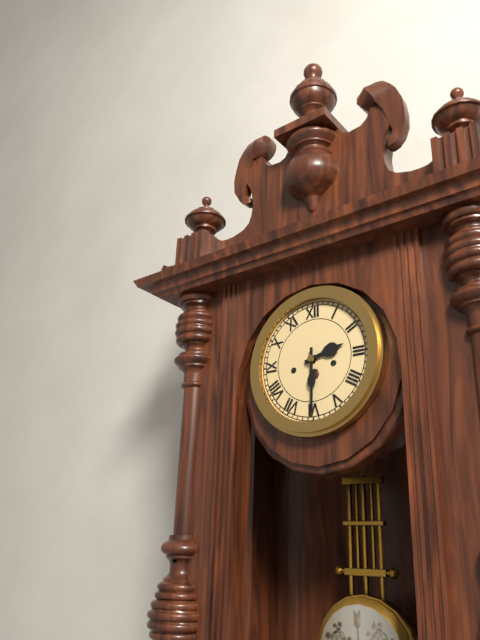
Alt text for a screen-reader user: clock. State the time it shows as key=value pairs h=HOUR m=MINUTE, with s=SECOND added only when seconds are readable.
h=2 m=30
